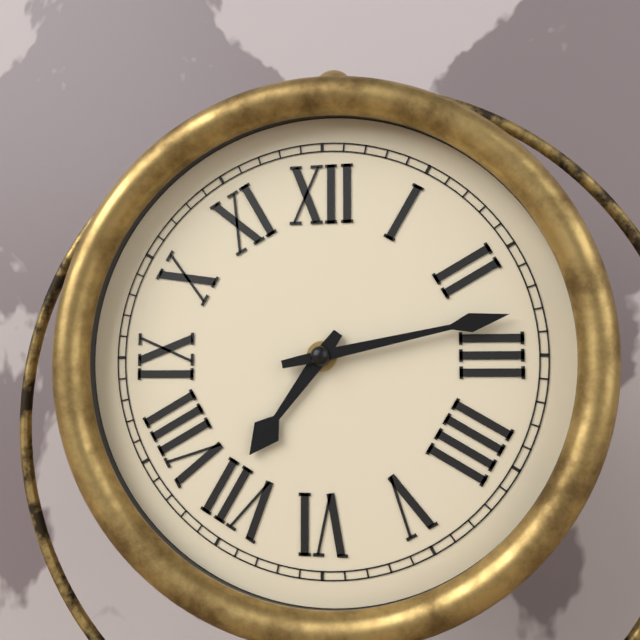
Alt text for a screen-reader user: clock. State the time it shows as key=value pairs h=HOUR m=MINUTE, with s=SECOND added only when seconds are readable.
h=7 m=13
